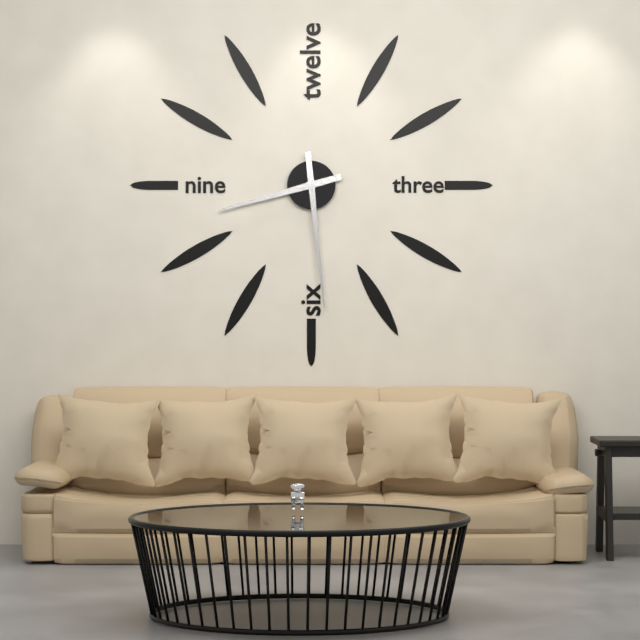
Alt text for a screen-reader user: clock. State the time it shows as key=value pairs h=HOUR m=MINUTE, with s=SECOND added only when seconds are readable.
h=8 m=29
